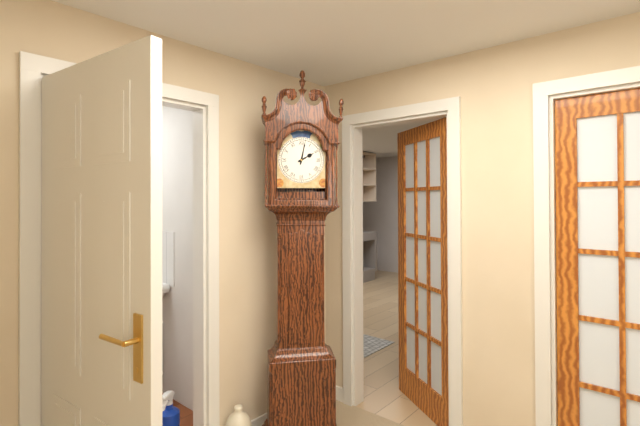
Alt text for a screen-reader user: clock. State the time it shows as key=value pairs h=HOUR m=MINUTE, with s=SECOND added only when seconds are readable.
h=2 m=2
